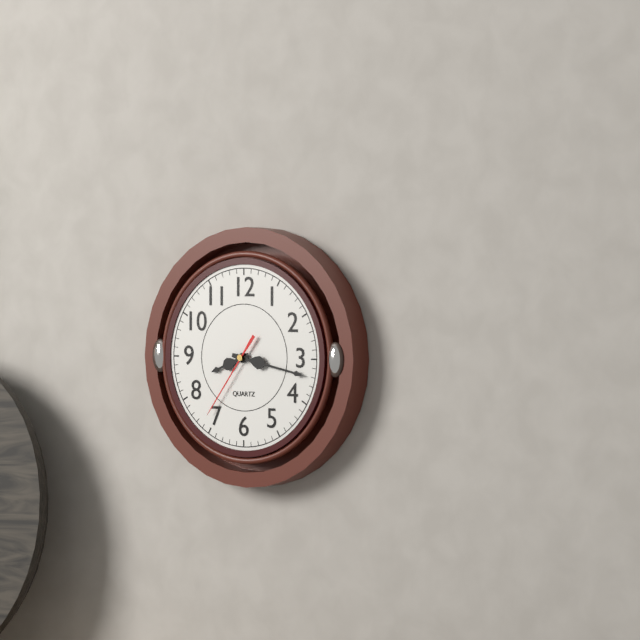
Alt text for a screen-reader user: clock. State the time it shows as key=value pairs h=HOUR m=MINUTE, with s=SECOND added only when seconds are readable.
h=8 m=17 s=36
